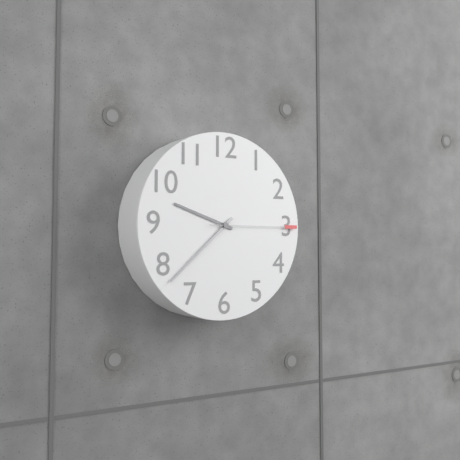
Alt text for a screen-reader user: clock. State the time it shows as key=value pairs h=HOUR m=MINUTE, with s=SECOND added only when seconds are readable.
h=9 m=38 s=15
